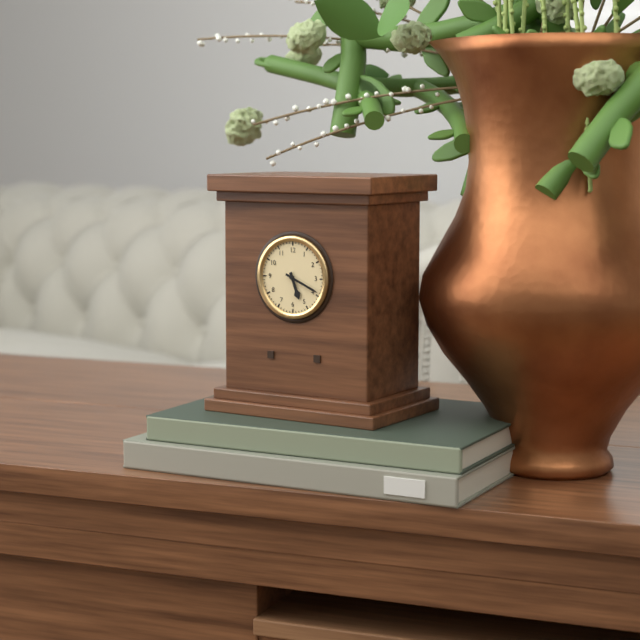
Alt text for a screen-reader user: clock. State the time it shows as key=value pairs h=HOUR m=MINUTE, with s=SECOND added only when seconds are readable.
h=5 m=19
